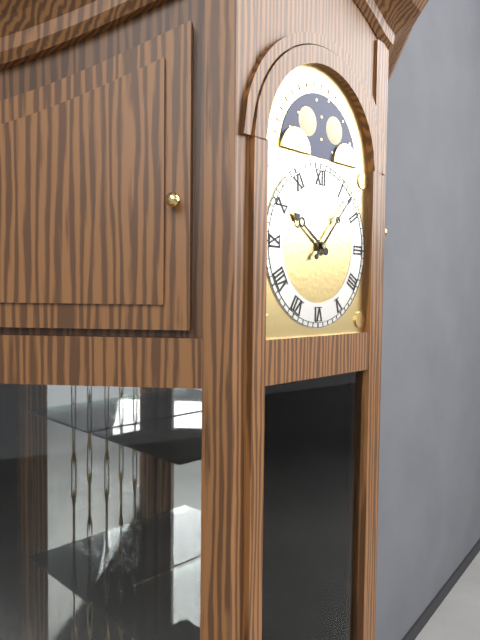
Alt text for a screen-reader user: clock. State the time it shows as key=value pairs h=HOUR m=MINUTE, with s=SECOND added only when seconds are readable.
h=10 m=7
